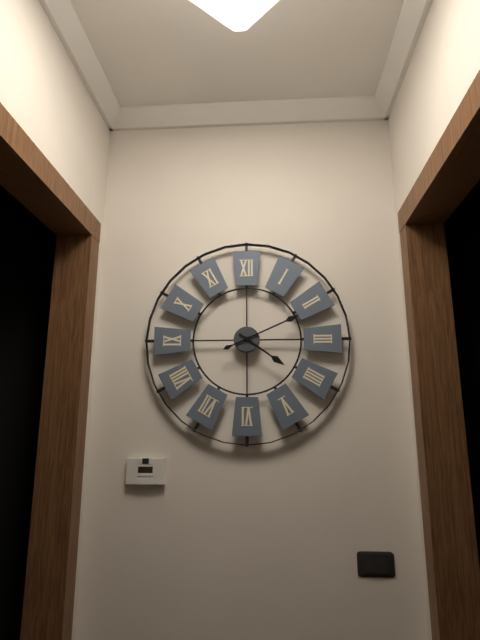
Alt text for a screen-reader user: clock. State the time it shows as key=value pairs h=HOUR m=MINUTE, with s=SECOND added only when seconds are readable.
h=4 m=11
